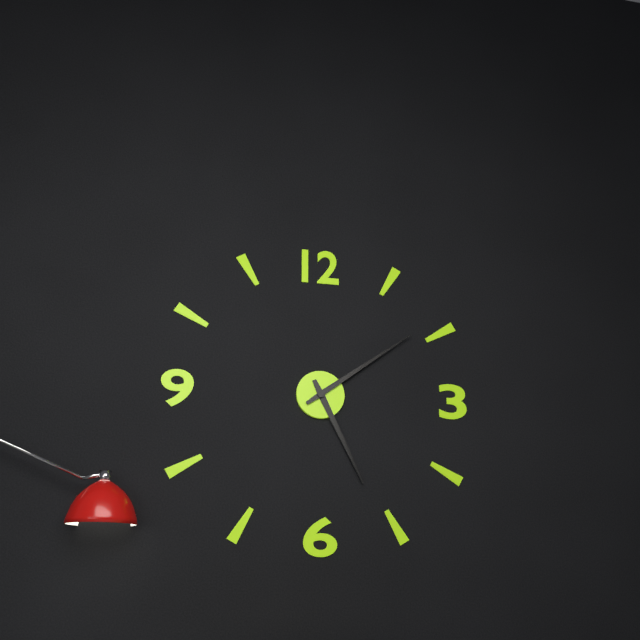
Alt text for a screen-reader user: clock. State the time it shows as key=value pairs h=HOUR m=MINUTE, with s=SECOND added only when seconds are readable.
h=5 m=9
